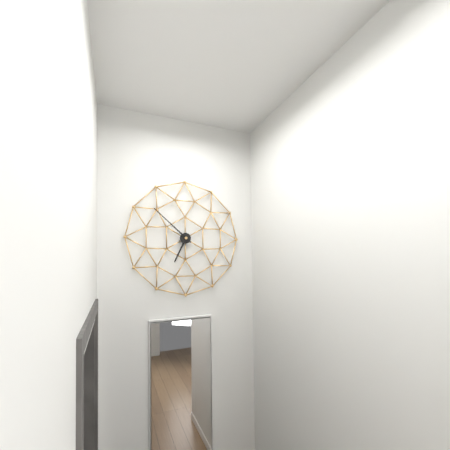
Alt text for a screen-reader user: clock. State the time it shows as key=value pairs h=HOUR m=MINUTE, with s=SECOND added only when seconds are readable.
h=6 m=52
